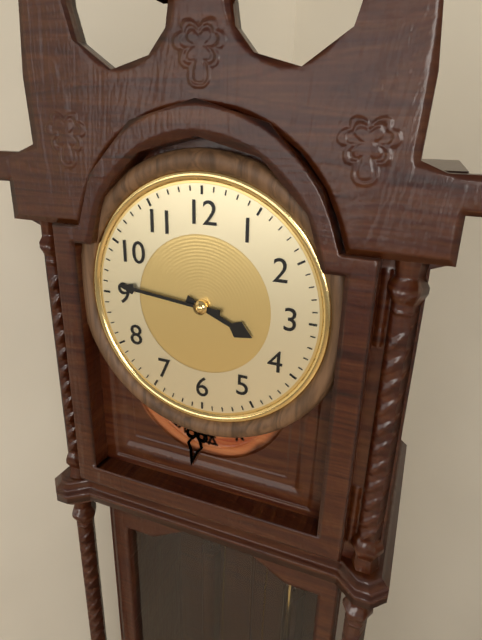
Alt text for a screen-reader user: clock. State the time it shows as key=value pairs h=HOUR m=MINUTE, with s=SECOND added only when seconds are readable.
h=3 m=46
